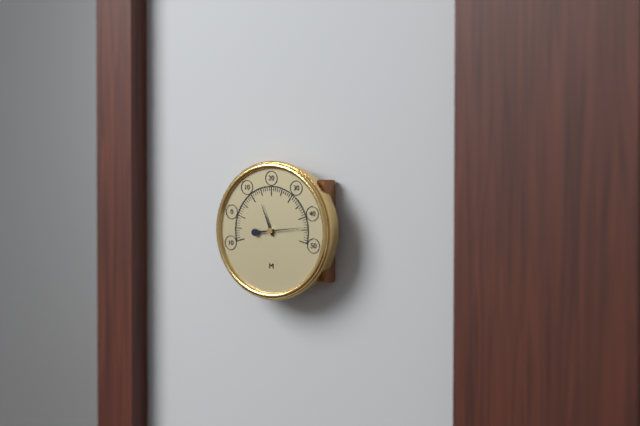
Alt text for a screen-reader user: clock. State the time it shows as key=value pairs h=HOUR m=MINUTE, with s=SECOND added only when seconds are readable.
h=11 m=14
